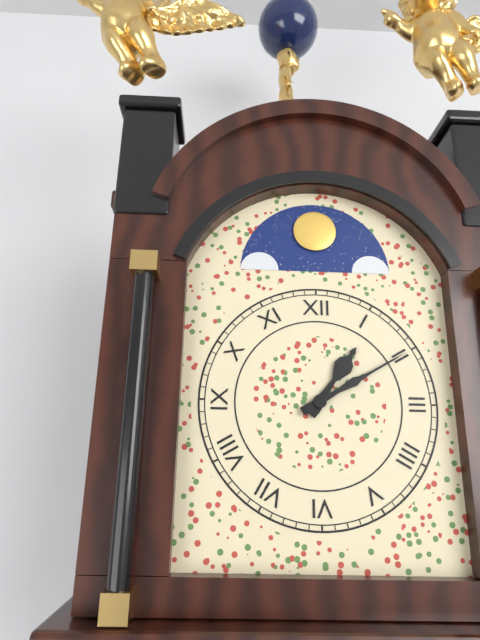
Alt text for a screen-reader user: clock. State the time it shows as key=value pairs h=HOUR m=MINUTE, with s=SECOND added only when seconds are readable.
h=1 m=10
